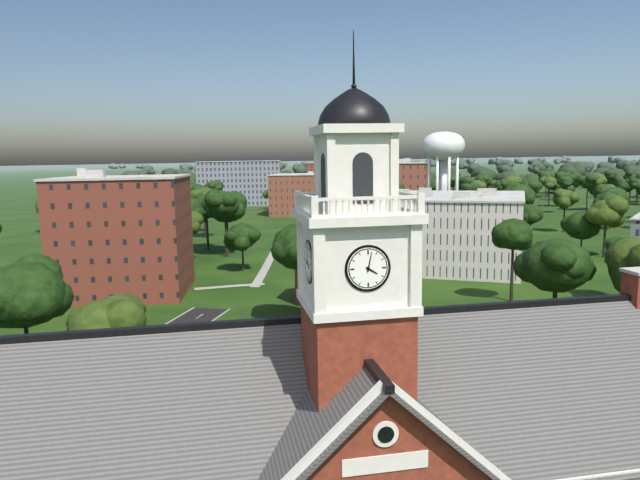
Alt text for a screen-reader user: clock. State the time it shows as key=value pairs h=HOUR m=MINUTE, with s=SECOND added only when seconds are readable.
h=4 m=2
